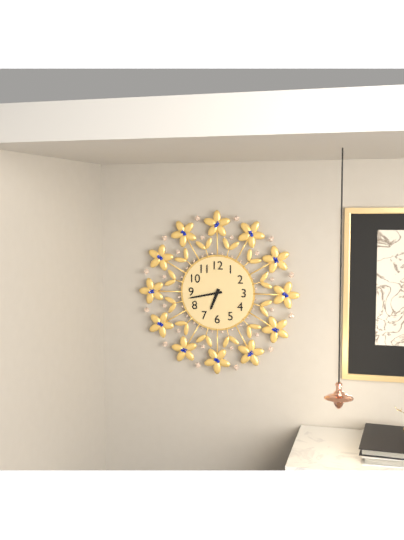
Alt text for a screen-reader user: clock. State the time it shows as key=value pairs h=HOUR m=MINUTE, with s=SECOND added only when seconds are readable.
h=6 m=43
